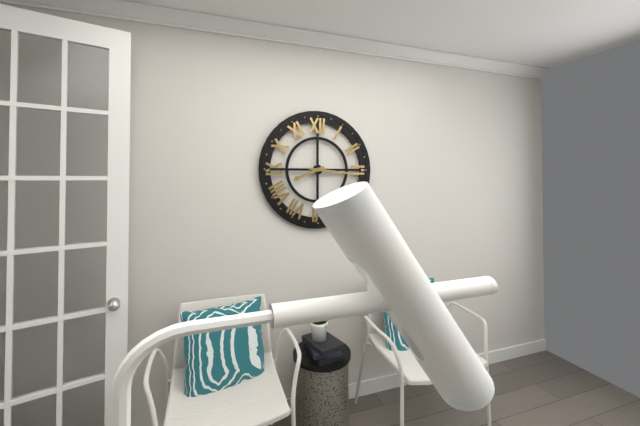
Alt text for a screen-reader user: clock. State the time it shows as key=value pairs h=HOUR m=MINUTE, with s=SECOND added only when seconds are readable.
h=8 m=16
